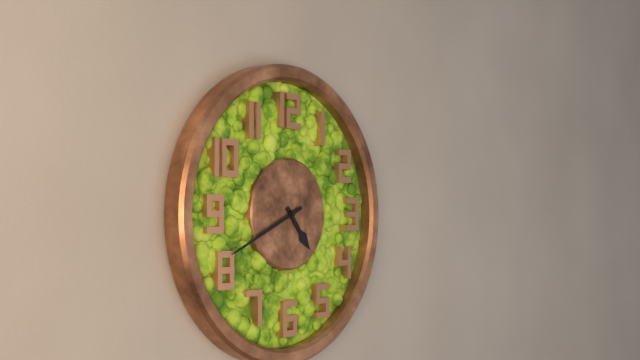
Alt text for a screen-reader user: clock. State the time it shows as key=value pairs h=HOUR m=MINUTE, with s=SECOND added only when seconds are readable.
h=4 m=41
